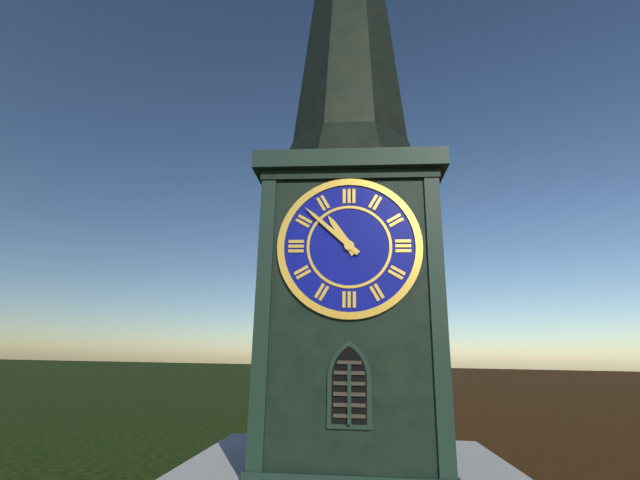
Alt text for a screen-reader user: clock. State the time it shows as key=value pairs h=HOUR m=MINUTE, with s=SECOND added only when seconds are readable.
h=10 m=52
